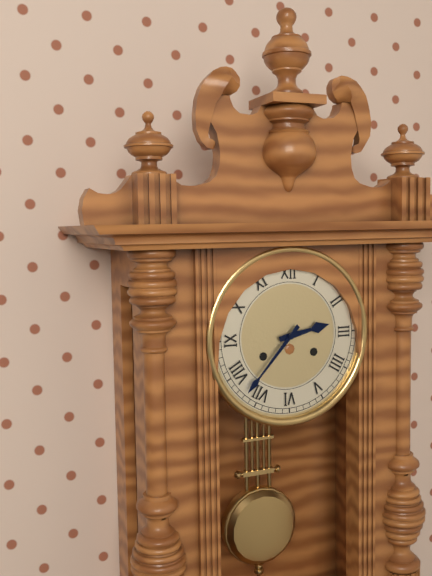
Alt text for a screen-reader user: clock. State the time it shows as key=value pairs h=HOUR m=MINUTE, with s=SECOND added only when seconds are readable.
h=2 m=37
